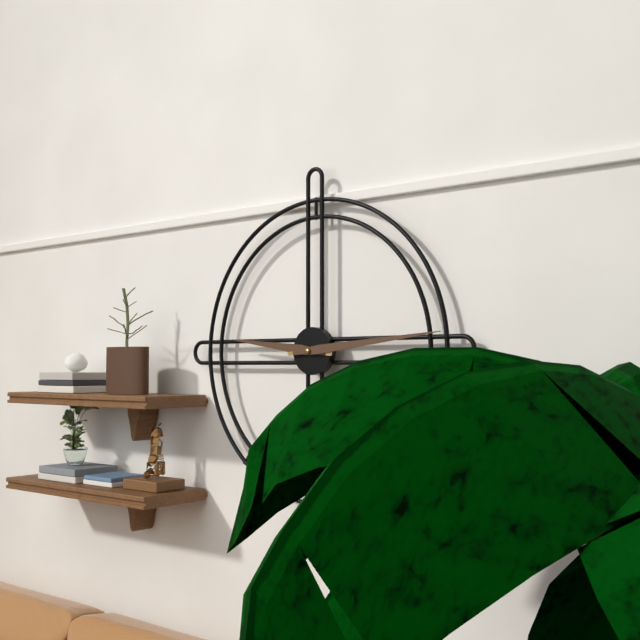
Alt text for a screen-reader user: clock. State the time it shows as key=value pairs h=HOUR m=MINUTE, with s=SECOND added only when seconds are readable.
h=9 m=14
